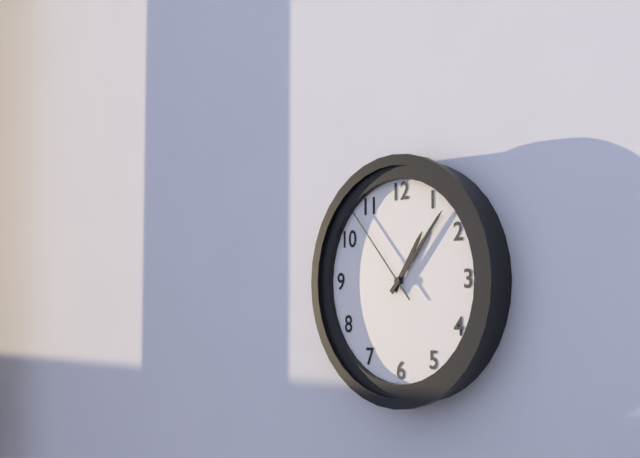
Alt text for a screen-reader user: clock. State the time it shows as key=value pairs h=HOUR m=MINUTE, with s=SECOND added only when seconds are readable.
h=1 m=7 s=53
